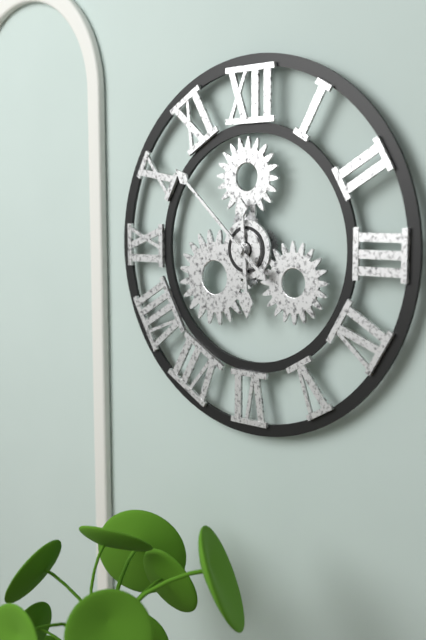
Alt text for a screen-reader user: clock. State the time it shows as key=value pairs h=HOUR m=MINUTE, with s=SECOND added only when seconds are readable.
h=5 m=52
